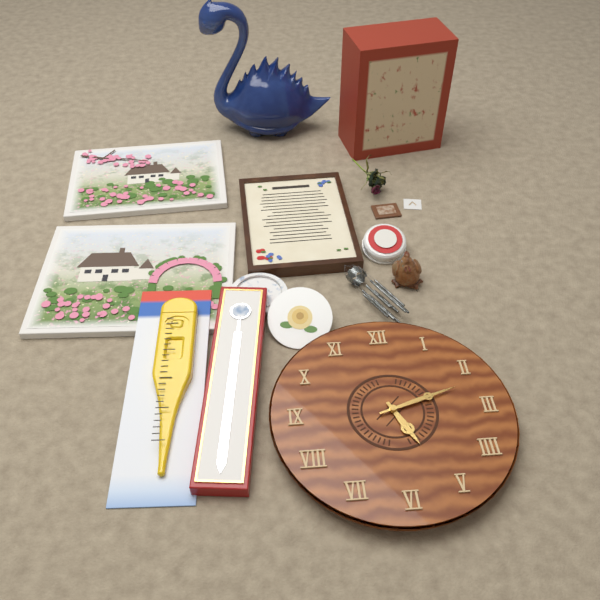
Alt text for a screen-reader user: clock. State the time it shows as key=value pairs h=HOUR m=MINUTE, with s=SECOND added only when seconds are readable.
h=5 m=12
